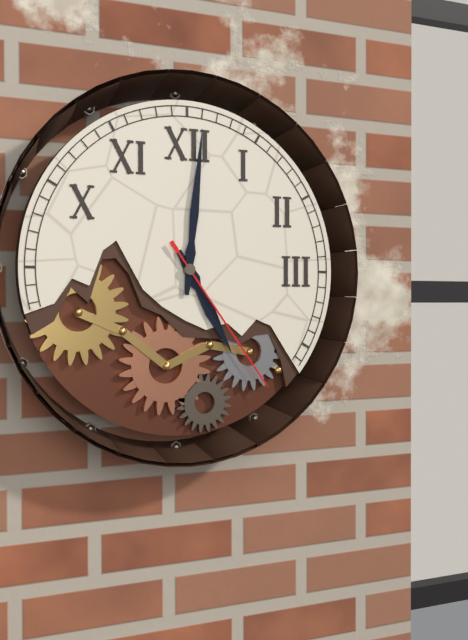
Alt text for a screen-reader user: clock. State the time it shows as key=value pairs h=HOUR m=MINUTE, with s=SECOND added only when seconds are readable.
h=5 m=1 s=24
